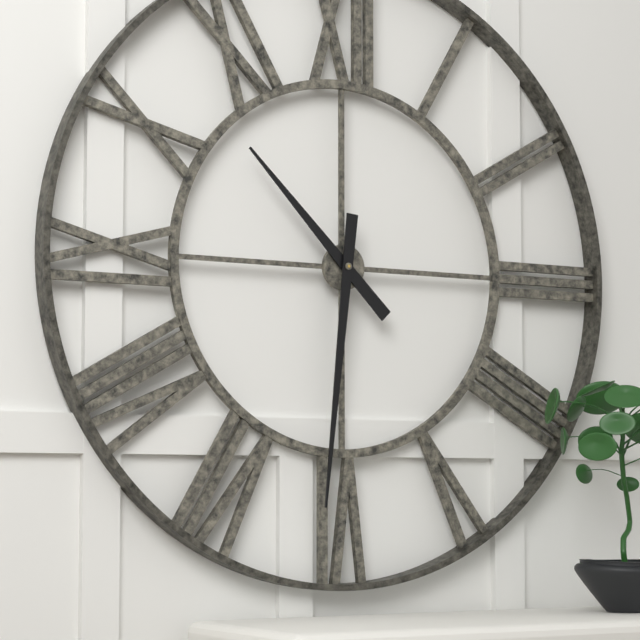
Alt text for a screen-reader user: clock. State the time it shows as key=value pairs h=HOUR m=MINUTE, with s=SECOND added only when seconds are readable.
h=10 m=31
